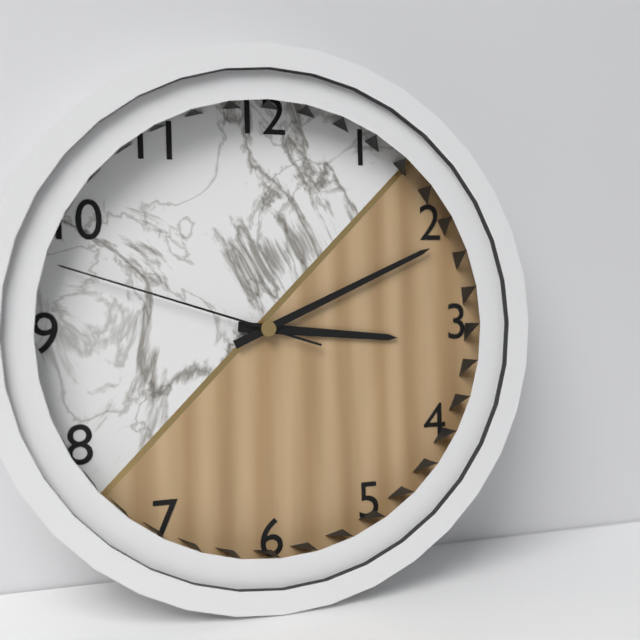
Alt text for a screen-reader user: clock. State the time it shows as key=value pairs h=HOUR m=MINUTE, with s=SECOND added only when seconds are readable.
h=3 m=11 s=48
